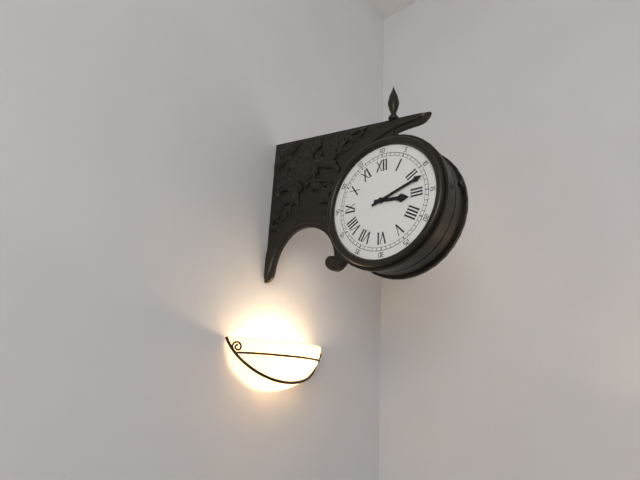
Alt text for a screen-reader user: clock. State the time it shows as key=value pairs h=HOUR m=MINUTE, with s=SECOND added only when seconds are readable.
h=3 m=12
